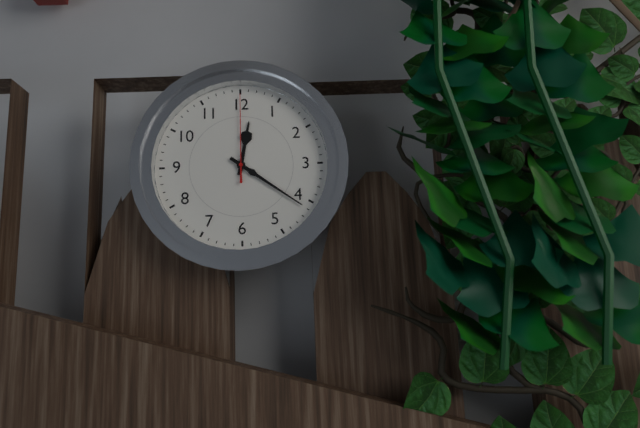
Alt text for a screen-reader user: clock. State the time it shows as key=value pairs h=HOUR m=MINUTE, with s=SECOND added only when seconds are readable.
h=12 m=21 s=0
